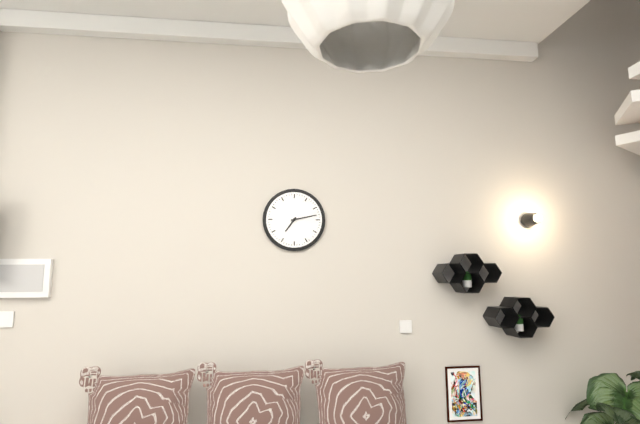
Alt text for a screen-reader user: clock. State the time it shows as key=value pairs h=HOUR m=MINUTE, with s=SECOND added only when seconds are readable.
h=7 m=13
